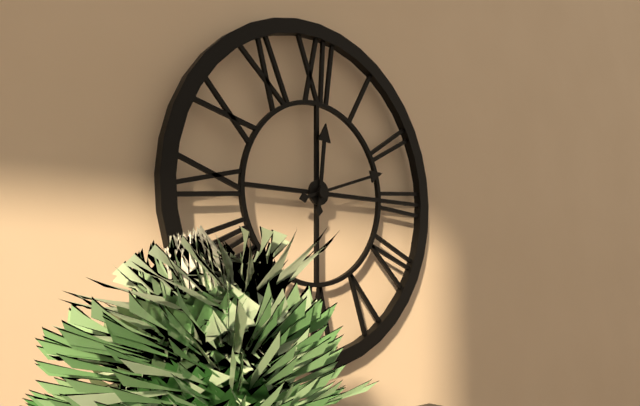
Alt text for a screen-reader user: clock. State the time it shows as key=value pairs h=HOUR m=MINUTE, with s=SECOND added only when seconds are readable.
h=12 m=12
